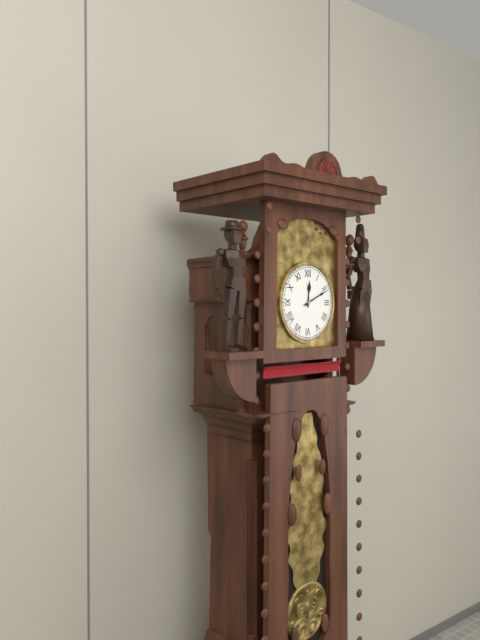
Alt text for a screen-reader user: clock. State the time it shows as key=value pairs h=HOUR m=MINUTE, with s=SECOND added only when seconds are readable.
h=12 m=11
